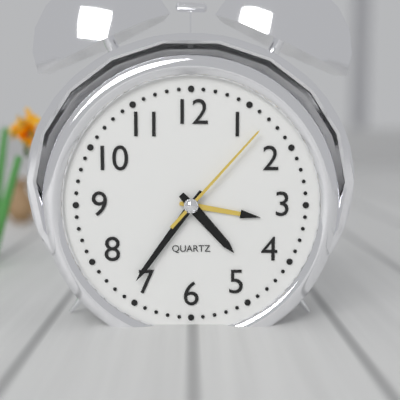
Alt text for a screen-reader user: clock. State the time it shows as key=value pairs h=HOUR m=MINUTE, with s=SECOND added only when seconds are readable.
h=4 m=36 s=7
